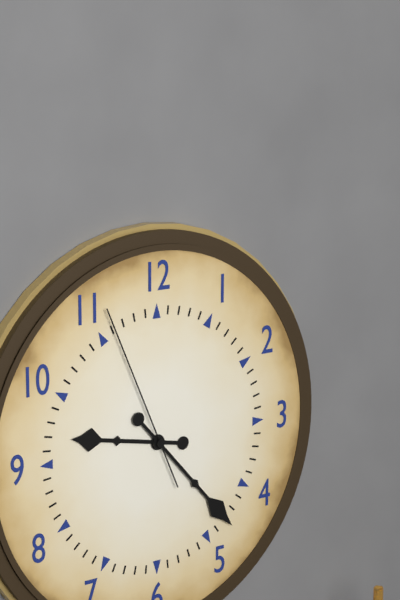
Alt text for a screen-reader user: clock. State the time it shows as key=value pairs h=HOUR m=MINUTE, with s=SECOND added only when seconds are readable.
h=9 m=23 s=56
